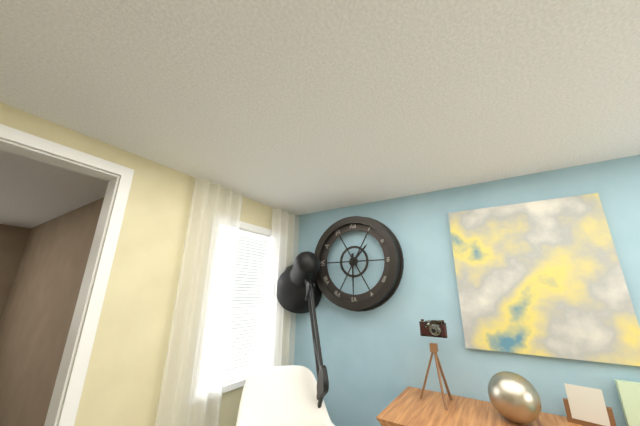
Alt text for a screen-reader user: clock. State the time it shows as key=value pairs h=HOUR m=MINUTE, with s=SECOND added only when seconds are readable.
h=1 m=30
